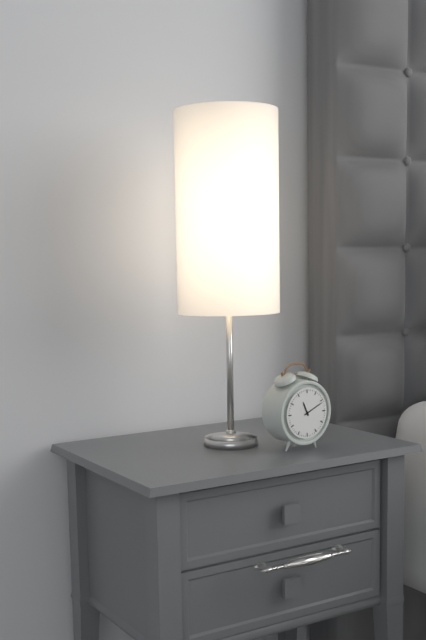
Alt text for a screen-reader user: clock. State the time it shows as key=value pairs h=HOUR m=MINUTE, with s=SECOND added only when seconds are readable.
h=11 m=11
